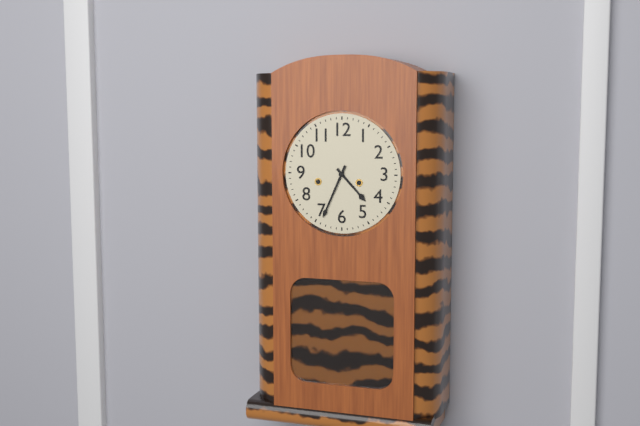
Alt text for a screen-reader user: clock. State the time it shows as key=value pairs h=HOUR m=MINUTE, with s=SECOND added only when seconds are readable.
h=4 m=34
